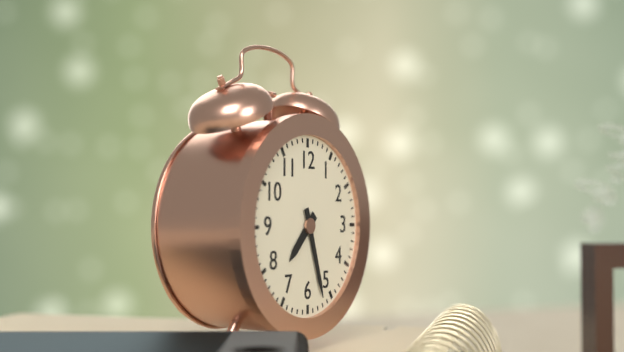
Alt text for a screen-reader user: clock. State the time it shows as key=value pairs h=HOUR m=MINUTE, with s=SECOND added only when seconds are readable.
h=7 m=27
